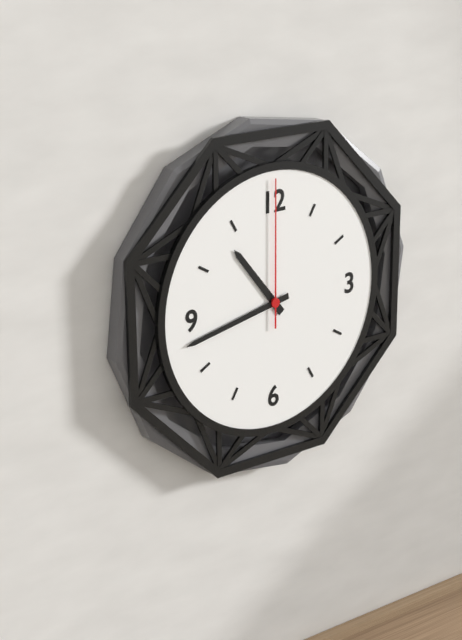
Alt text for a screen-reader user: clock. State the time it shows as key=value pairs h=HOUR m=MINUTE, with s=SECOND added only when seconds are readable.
h=10 m=43 s=0
